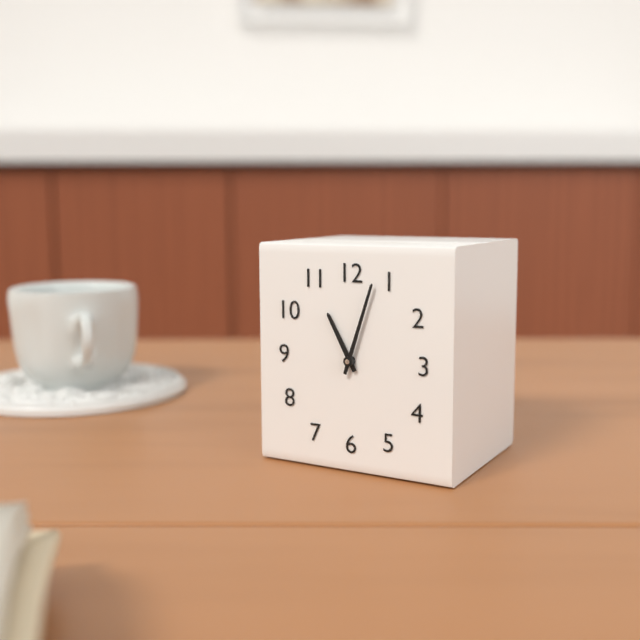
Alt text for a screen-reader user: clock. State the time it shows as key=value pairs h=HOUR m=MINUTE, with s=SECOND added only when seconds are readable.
h=11 m=3
